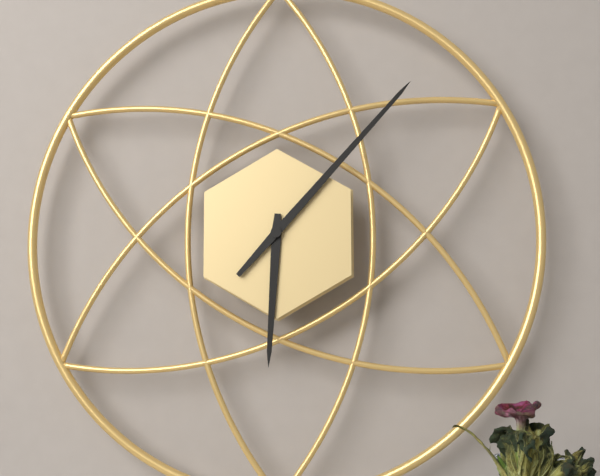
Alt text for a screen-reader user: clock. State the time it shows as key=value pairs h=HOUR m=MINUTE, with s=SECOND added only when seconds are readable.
h=6 m=7
